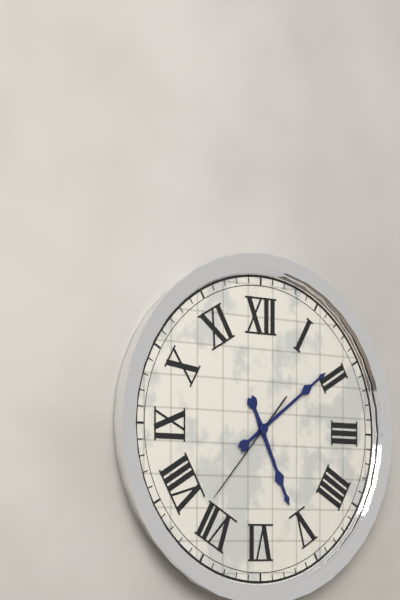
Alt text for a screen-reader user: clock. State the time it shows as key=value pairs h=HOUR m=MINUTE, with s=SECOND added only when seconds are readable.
h=5 m=9 s=37
